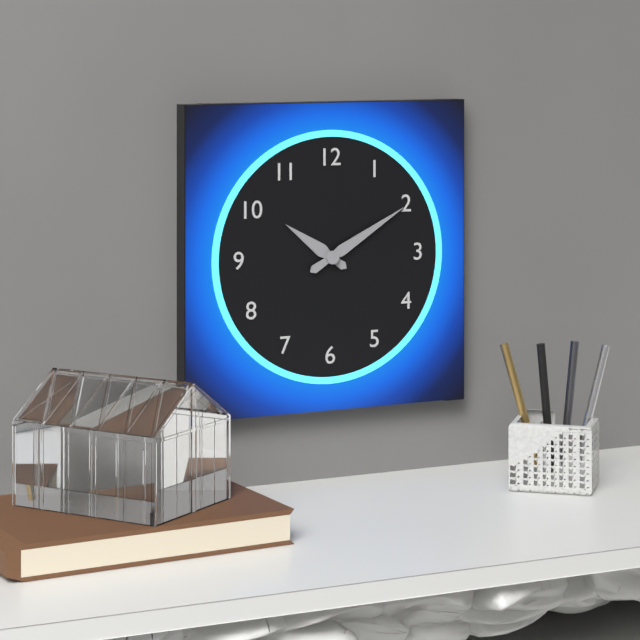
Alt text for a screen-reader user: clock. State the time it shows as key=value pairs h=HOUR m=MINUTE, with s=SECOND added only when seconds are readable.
h=10 m=10
